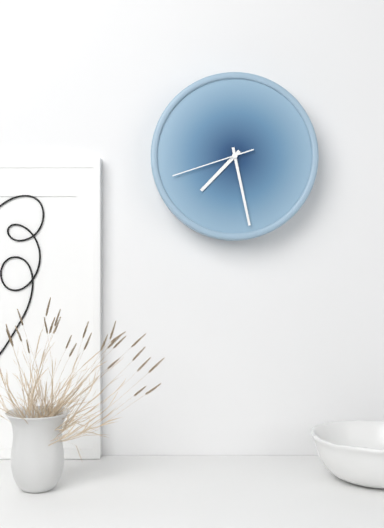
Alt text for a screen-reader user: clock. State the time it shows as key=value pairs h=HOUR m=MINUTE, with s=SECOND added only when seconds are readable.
h=7 m=28 s=42
